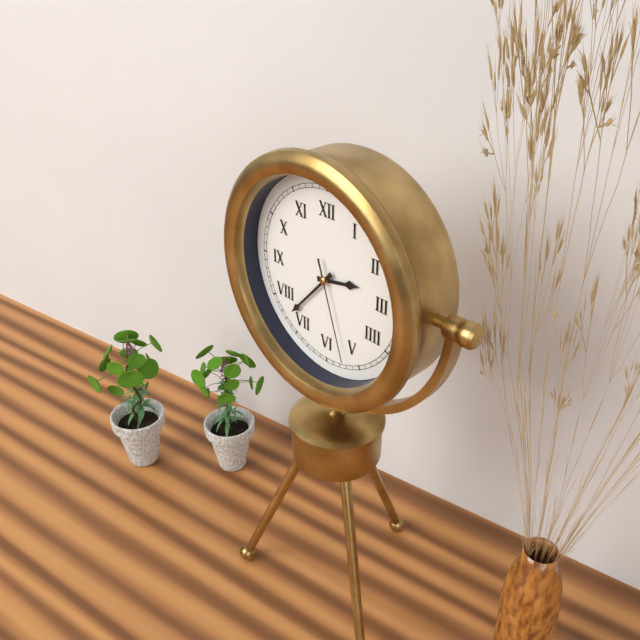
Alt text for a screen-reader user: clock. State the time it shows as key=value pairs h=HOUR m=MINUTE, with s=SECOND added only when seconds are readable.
h=2 m=37 s=27
